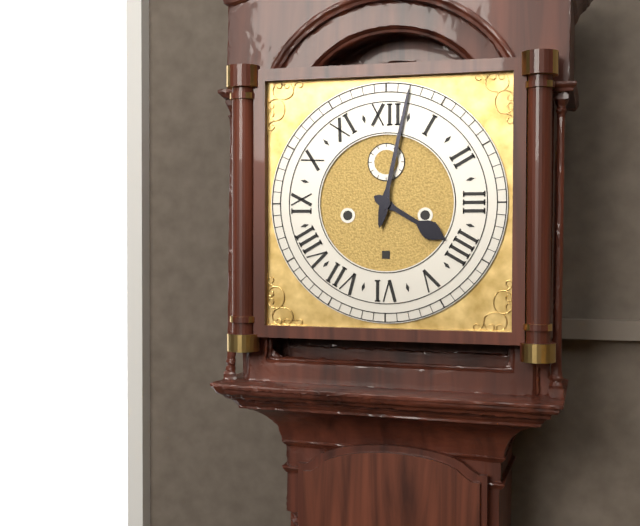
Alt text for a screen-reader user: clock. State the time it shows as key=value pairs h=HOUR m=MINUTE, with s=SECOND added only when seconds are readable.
h=4 m=2
